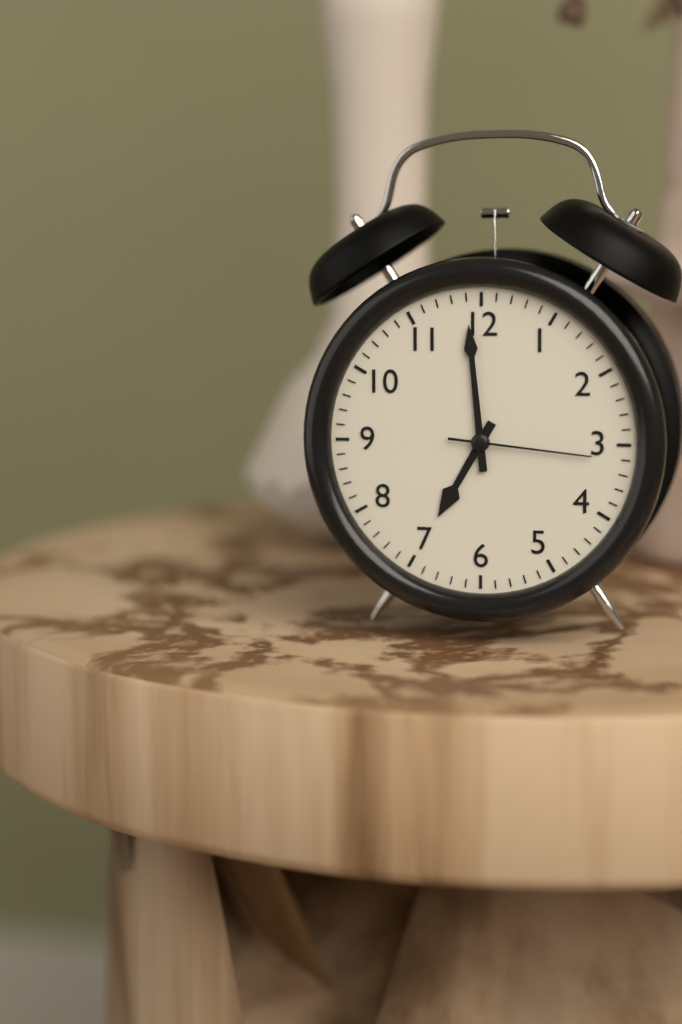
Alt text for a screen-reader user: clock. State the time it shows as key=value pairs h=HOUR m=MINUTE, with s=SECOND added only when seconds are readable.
h=6 m=59 s=16
